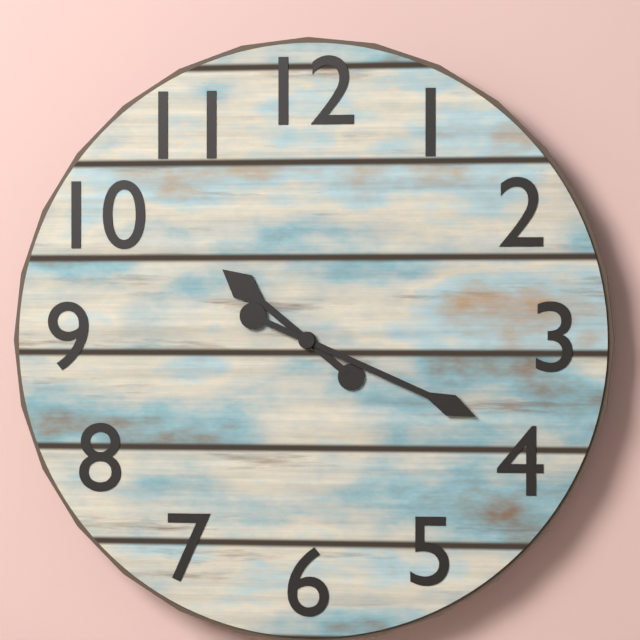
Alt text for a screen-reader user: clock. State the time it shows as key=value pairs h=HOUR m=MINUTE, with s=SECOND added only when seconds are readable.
h=10 m=19
